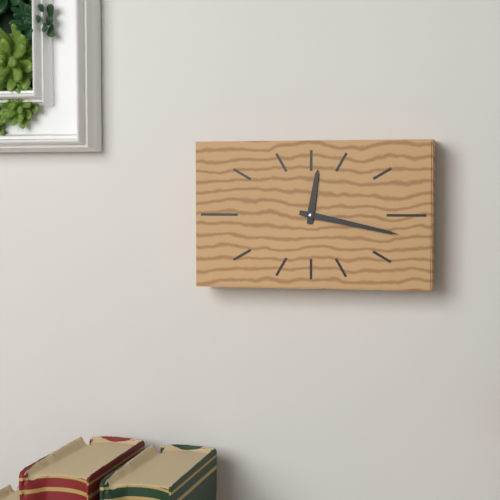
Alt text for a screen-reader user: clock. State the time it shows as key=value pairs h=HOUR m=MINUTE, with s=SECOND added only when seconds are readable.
h=12 m=17
